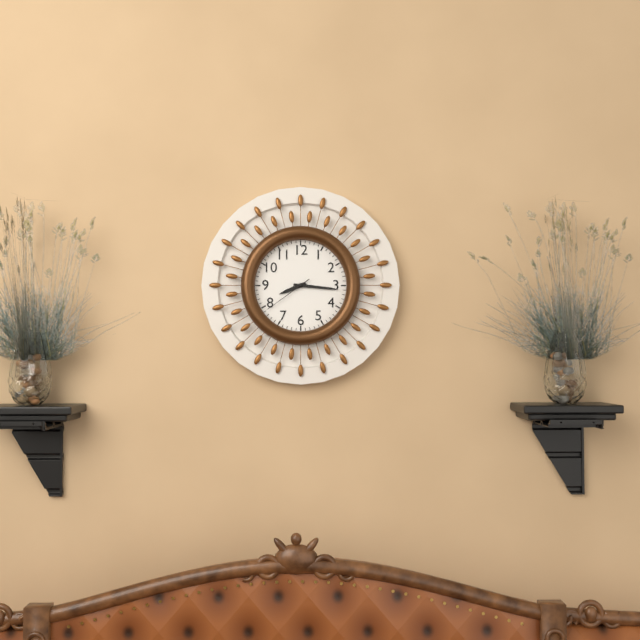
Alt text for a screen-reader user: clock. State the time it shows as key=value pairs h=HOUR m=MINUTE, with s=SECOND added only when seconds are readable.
h=8 m=16 s=39
